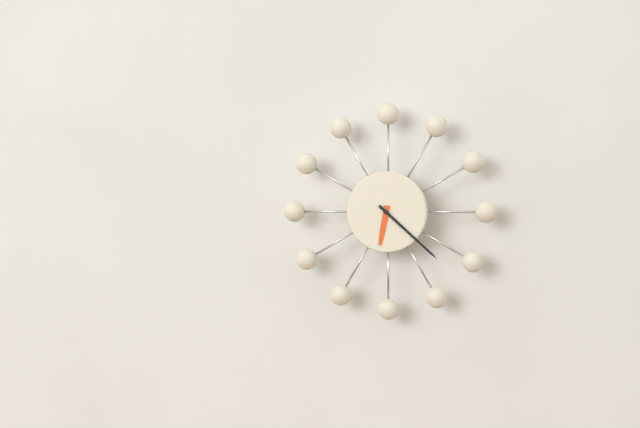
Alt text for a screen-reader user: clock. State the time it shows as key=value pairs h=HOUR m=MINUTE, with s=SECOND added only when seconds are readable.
h=6 m=22
